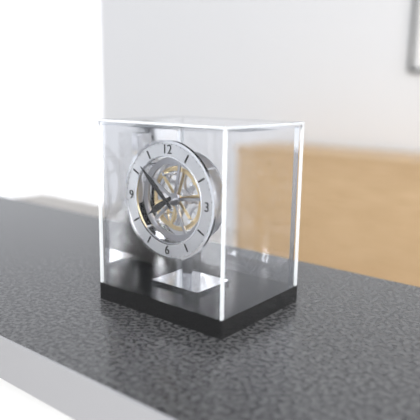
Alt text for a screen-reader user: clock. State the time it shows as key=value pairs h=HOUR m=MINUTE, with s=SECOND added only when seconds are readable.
h=7 m=52
